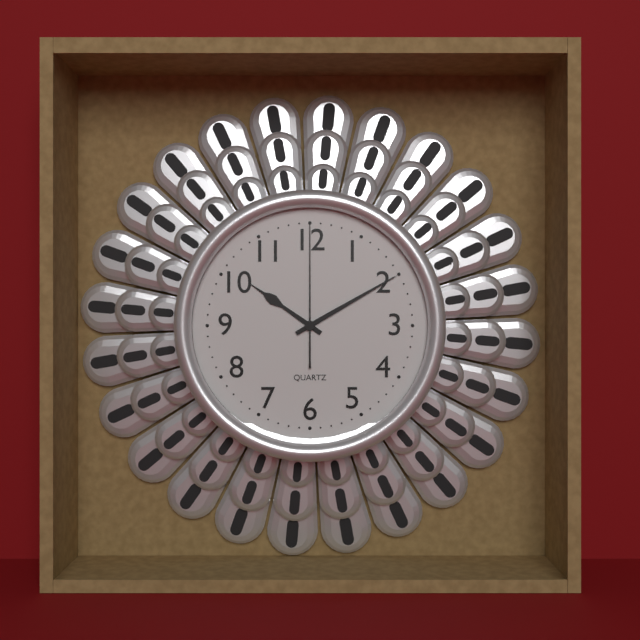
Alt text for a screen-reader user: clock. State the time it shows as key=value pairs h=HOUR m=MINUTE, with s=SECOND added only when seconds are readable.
h=10 m=10 s=0
